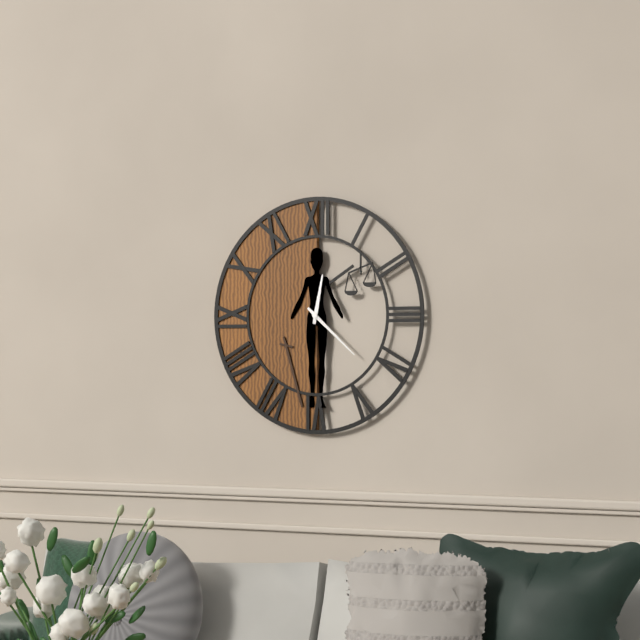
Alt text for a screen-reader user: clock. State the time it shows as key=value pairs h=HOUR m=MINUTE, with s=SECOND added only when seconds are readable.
h=12 m=22
